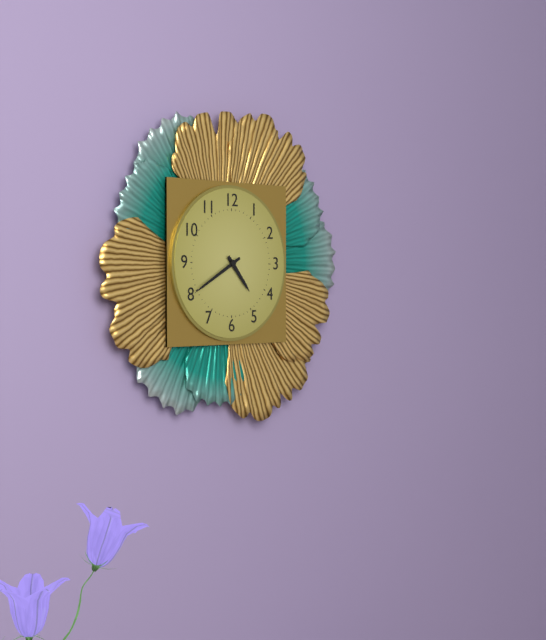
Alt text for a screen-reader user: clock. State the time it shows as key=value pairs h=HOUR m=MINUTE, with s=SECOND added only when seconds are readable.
h=4 m=40
